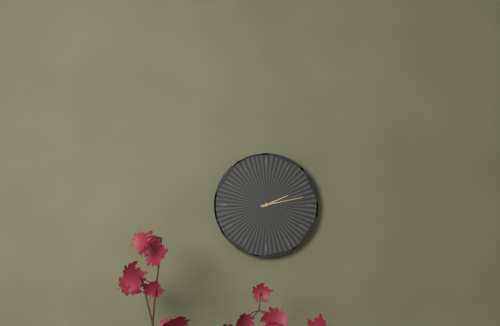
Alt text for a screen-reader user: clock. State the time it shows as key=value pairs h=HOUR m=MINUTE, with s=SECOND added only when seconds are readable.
h=2 m=13
